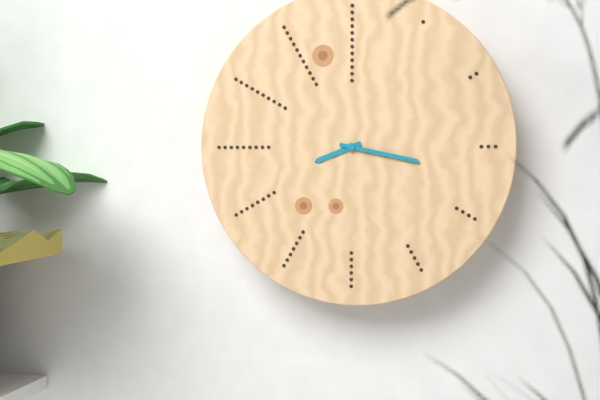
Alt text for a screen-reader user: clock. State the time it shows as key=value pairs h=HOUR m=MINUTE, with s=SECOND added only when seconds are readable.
h=8 m=17
